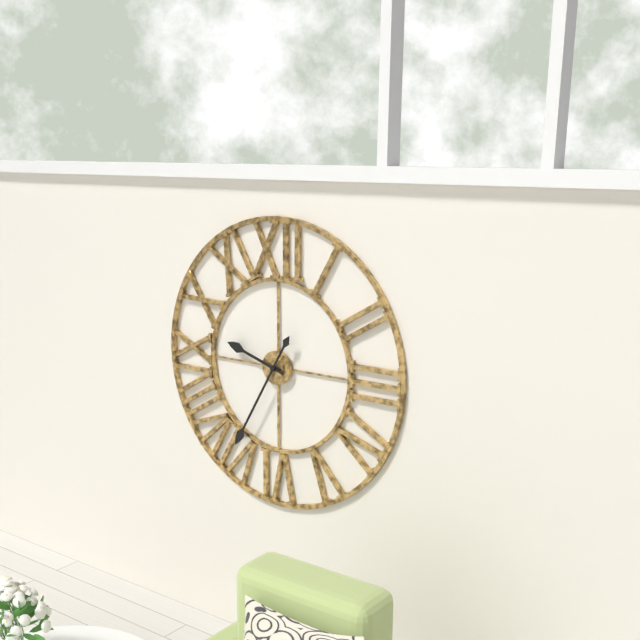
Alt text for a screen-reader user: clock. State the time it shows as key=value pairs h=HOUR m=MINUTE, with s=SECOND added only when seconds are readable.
h=9 m=35
